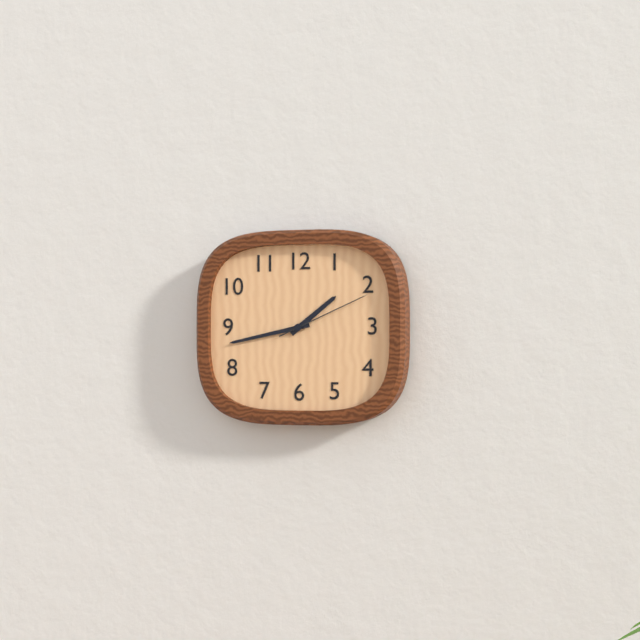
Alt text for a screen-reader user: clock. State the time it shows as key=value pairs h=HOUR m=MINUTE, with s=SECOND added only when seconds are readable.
h=1 m=43 s=11
